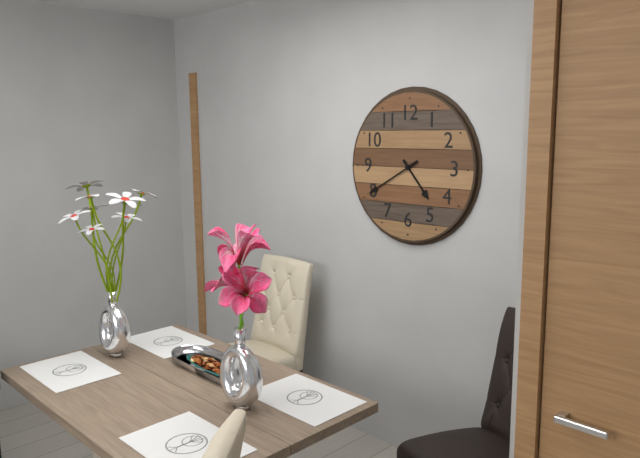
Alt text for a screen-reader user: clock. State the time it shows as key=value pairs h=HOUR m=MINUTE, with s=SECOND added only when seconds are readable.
h=4 m=40
